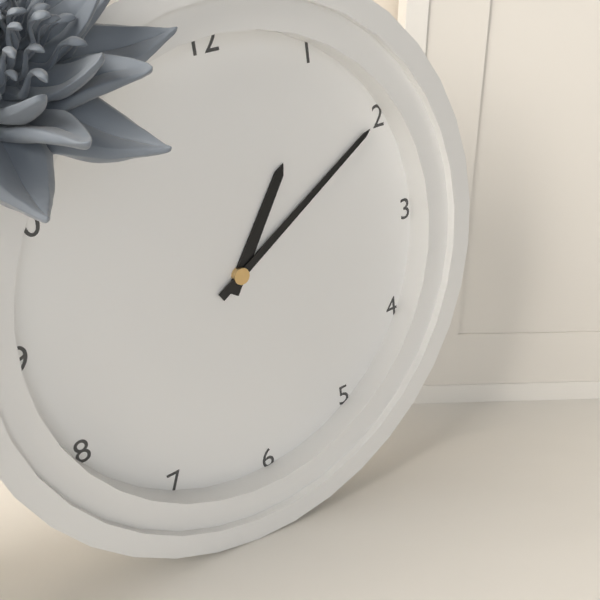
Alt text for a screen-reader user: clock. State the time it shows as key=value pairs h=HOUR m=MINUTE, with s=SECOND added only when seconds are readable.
h=1 m=10
